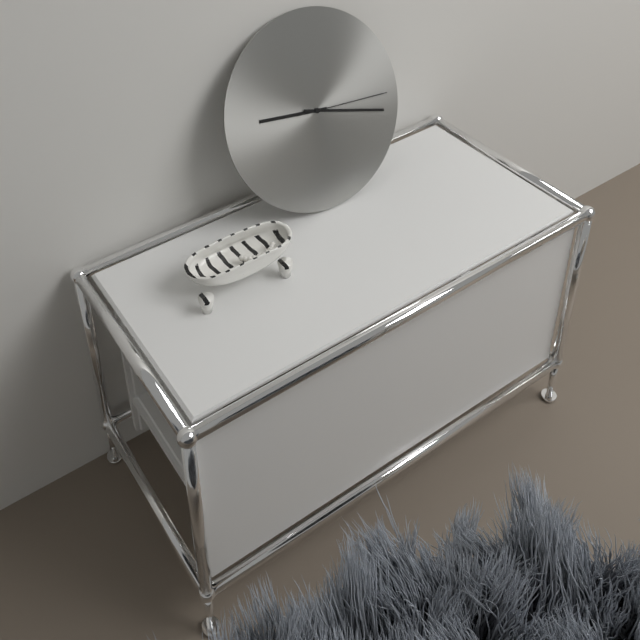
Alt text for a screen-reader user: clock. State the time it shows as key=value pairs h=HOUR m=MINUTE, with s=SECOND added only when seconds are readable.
h=9 m=18 s=16
